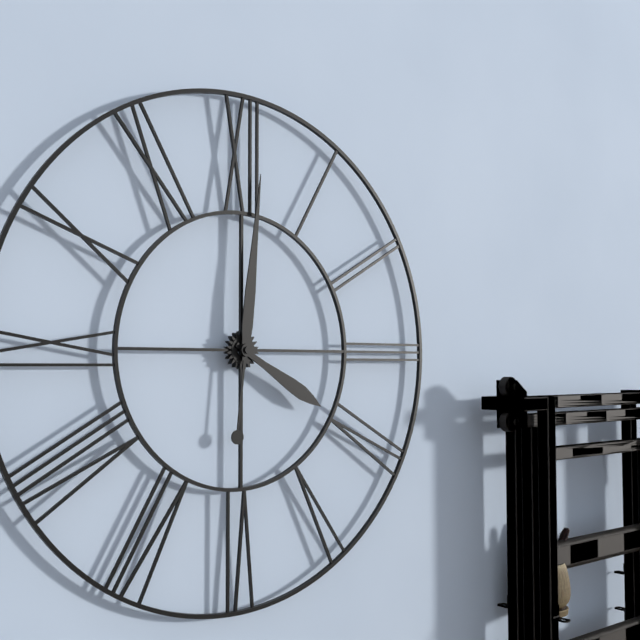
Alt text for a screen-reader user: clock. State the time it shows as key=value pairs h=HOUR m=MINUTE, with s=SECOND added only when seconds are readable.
h=4 m=1
